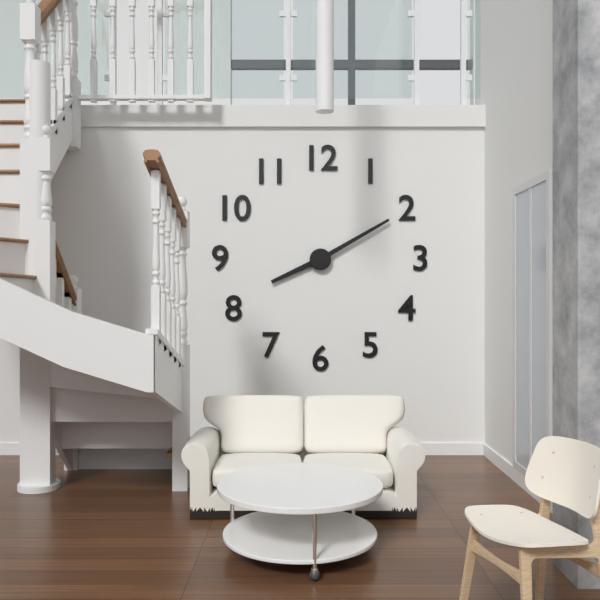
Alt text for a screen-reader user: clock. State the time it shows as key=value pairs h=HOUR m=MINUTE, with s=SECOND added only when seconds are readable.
h=8 m=10
